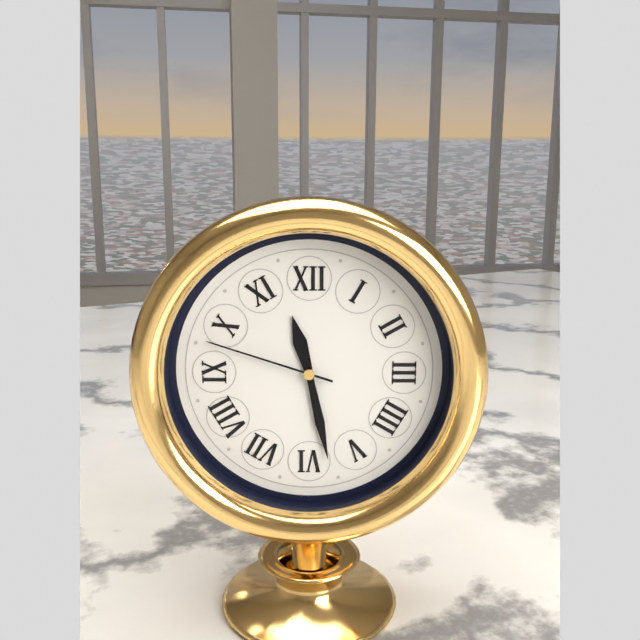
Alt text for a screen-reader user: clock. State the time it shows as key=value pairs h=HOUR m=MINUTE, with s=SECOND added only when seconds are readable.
h=11 m=28 s=48
